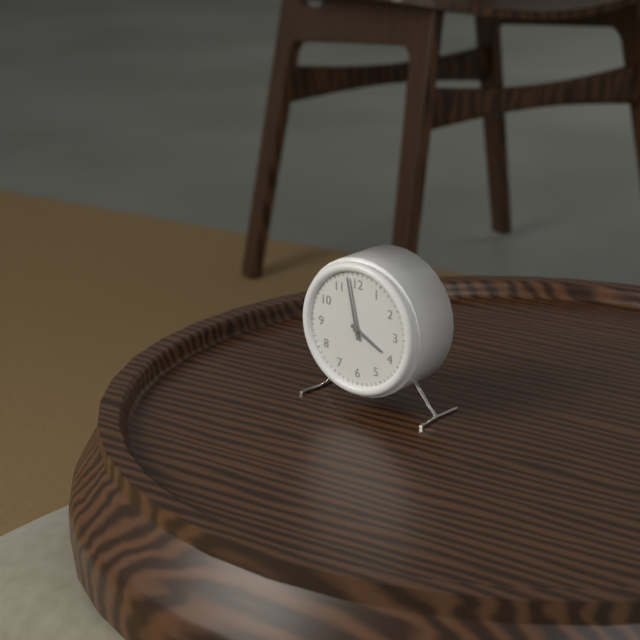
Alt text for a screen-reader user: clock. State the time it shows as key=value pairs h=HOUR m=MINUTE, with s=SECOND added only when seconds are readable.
h=3 m=58
